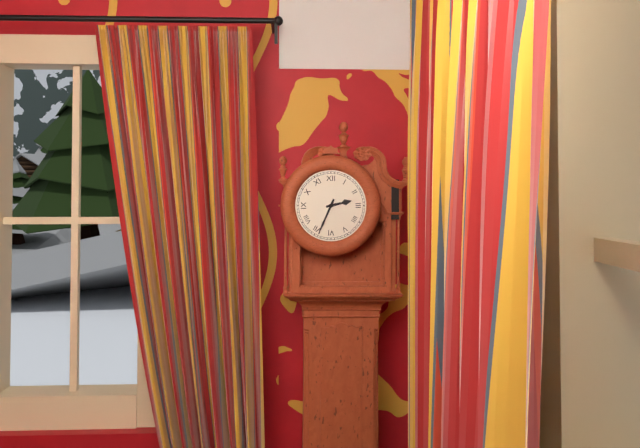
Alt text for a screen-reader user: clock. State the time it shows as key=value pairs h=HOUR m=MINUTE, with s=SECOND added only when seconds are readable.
h=2 m=34
